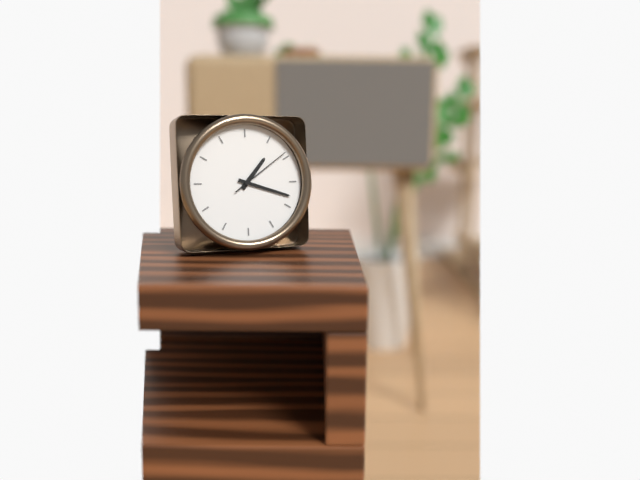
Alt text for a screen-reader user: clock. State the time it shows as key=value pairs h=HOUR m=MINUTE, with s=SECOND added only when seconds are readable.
h=1 m=18 s=9
